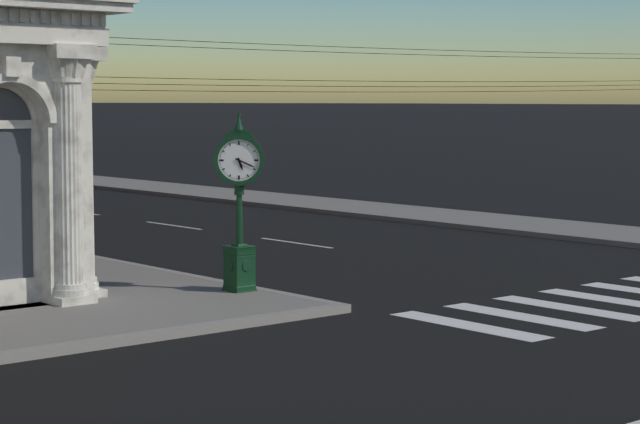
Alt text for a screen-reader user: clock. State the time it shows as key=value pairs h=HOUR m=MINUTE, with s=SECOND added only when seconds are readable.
h=5 m=19
